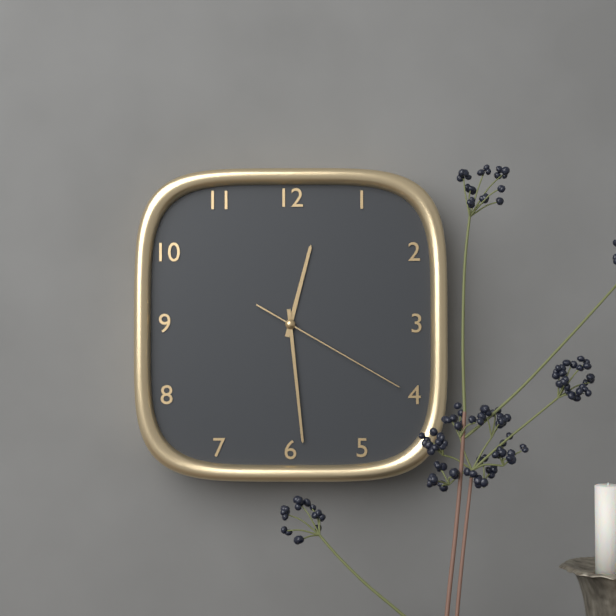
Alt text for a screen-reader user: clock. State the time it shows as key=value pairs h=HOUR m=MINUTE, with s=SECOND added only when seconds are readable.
h=12 m=29 s=20
